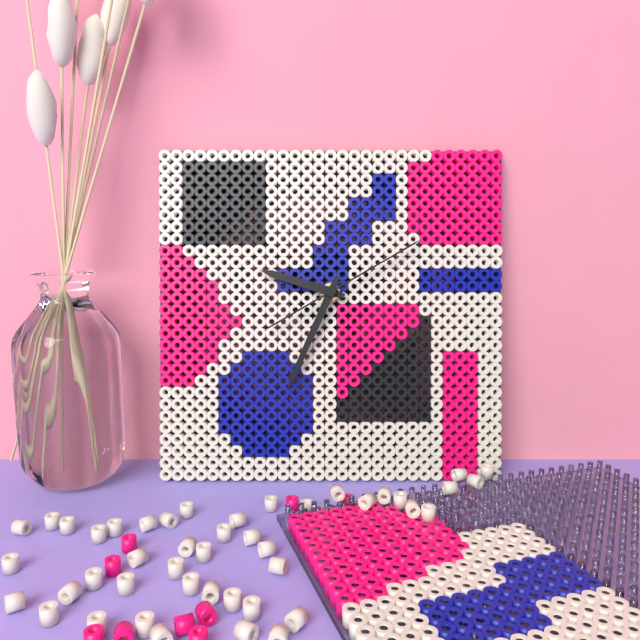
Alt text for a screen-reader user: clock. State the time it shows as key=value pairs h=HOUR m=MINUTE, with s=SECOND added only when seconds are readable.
h=9 m=34 s=10
